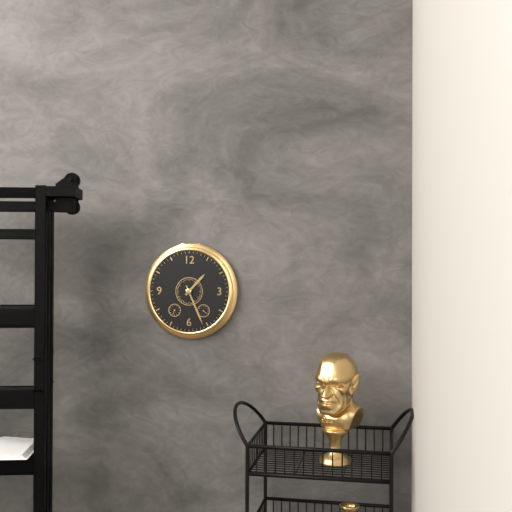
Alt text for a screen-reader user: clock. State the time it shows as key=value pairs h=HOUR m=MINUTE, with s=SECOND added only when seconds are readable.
h=1 m=26
